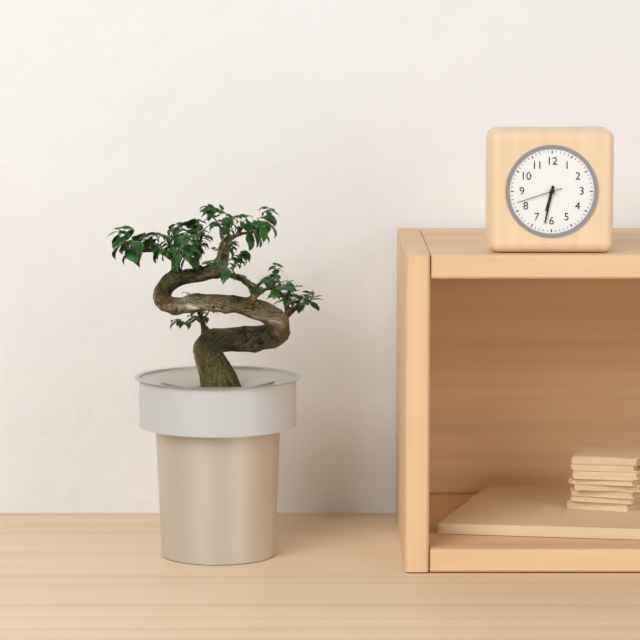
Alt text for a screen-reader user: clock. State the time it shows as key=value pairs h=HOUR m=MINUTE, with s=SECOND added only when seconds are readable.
h=6 m=32
